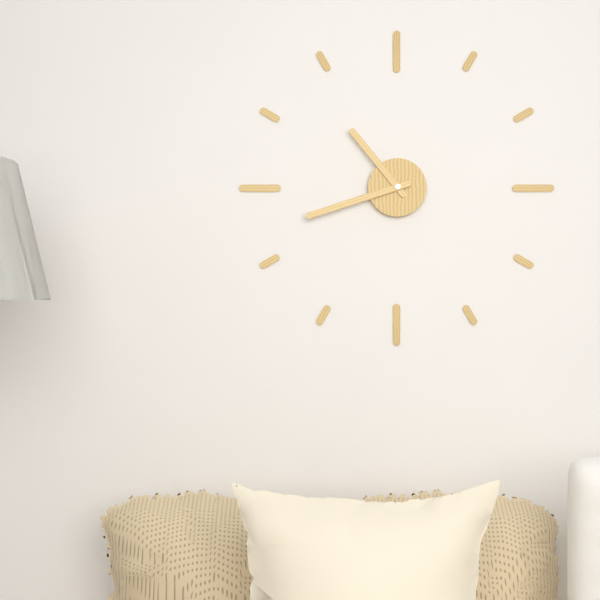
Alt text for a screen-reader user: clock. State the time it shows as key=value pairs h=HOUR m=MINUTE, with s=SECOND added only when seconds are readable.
h=10 m=42
